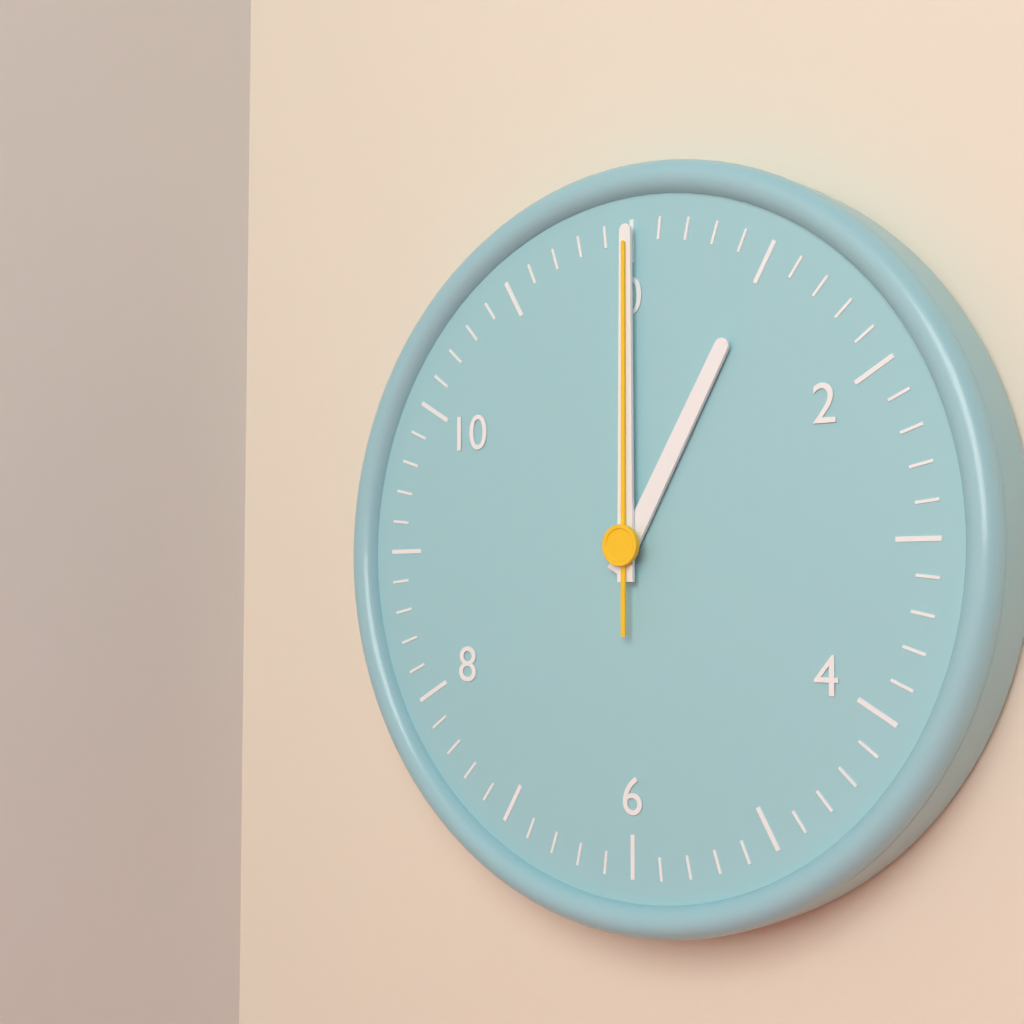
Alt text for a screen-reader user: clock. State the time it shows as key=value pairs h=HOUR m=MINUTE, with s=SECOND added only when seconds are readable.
h=1 m=0 s=0
